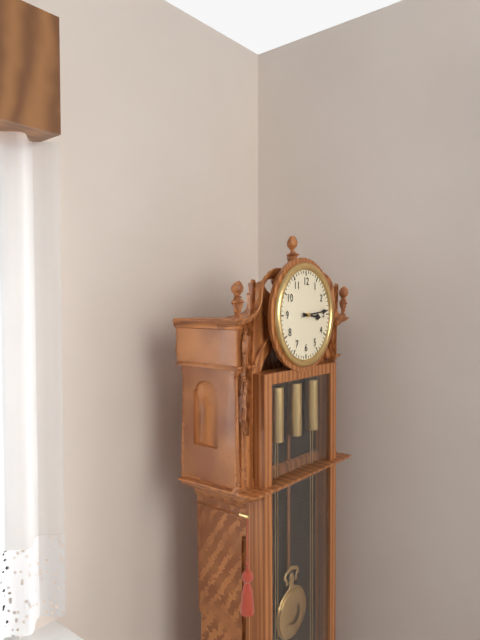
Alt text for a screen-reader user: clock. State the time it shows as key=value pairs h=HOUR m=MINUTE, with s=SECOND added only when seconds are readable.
h=3 m=14
